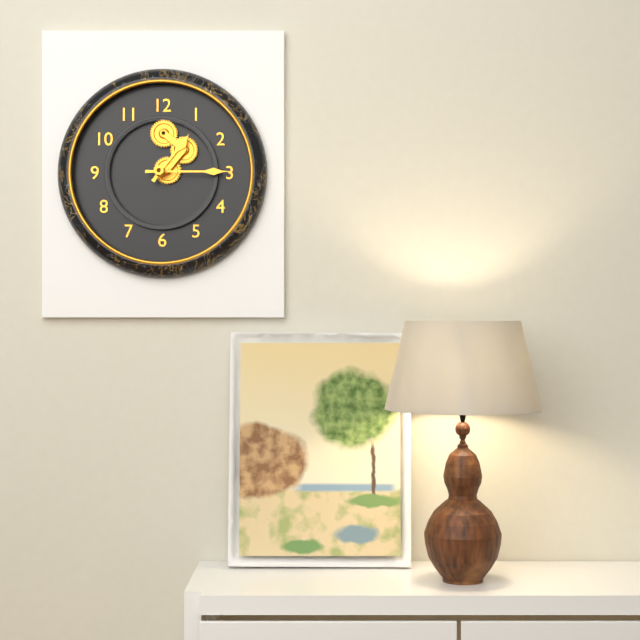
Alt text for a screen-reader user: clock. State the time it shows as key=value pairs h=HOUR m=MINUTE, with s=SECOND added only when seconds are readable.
h=1 m=15
